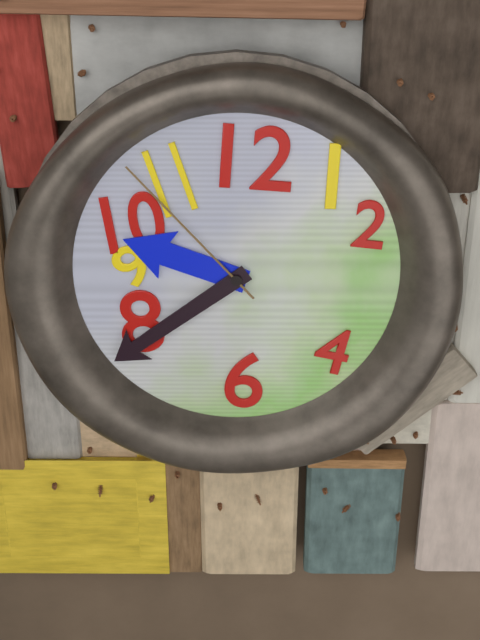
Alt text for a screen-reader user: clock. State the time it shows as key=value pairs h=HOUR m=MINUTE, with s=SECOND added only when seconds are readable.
h=9 m=39 s=53
